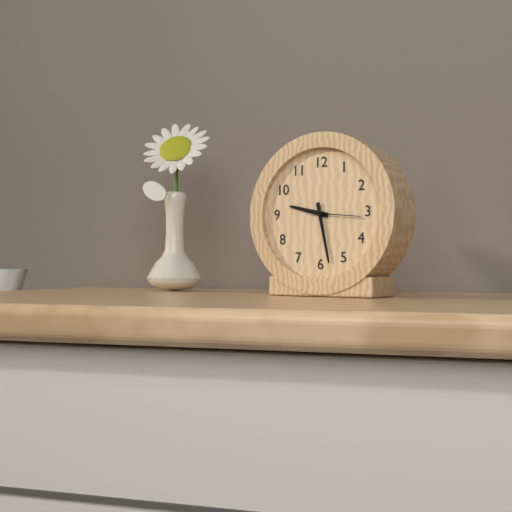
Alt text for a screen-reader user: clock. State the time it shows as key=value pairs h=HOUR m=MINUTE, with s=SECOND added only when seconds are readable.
h=9 m=28 s=16
